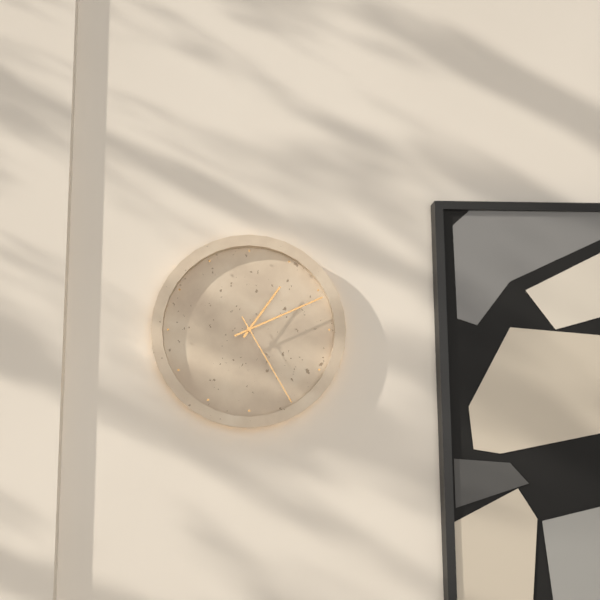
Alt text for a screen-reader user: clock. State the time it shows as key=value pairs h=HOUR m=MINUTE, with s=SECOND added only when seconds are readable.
h=1 m=11 s=25
